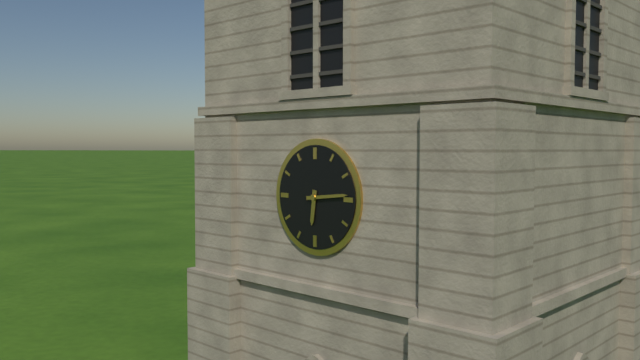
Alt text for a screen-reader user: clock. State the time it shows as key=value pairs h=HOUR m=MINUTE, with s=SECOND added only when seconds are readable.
h=6 m=14
